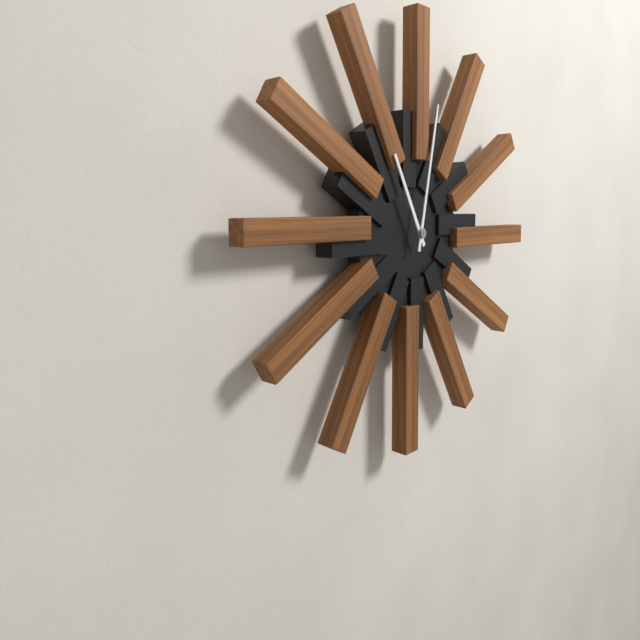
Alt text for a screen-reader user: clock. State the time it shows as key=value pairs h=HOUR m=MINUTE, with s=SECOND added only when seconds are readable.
h=11 m=2
